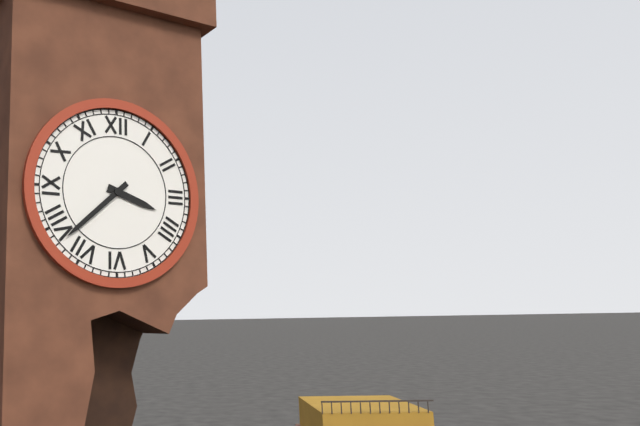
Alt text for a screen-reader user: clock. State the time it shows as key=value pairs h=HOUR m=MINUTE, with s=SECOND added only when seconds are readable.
h=3 m=38
